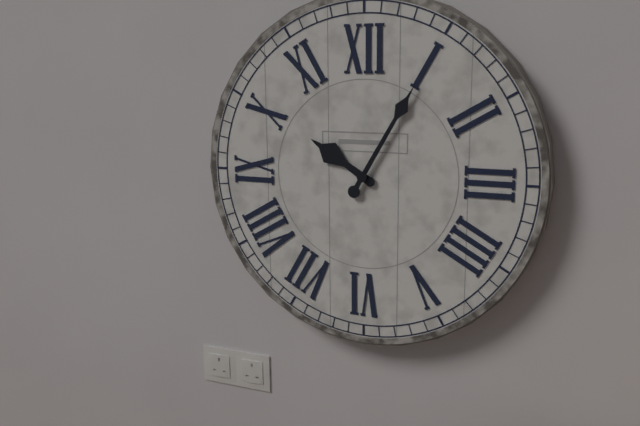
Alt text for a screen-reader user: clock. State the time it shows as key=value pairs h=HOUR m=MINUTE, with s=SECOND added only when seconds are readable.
h=10 m=5
